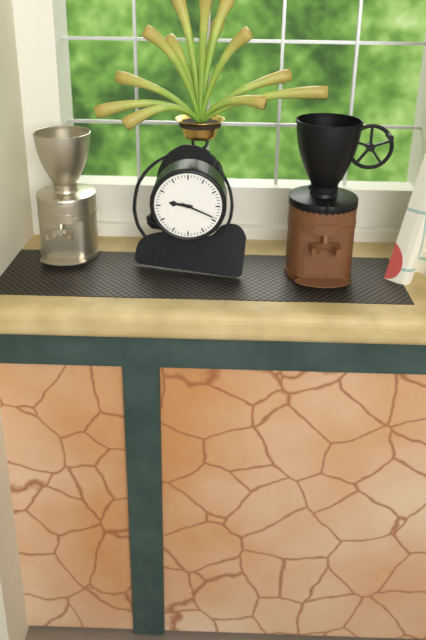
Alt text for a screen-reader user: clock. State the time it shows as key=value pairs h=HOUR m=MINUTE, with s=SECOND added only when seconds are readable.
h=9 m=19
